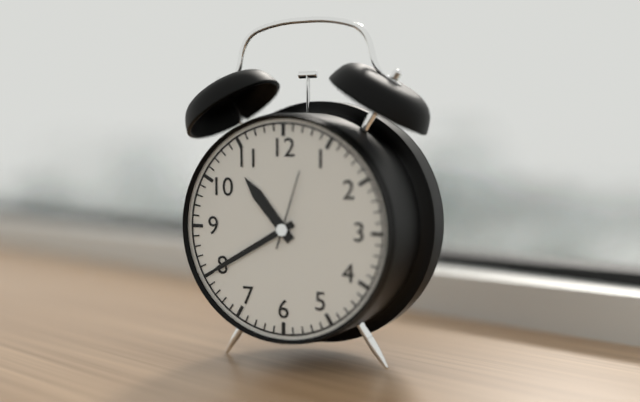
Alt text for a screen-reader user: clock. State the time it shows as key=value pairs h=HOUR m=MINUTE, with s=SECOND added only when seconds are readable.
h=10 m=40 s=3
